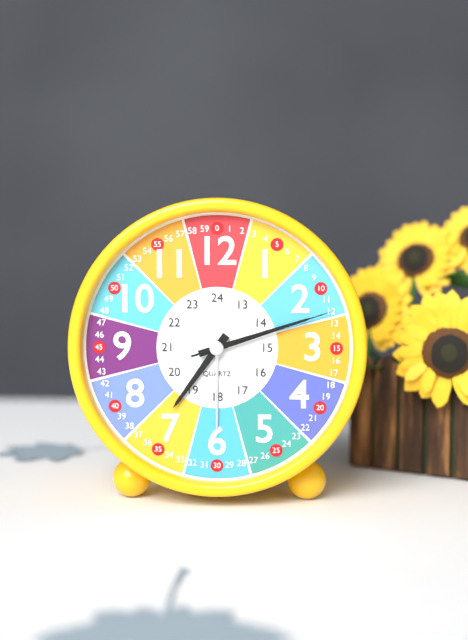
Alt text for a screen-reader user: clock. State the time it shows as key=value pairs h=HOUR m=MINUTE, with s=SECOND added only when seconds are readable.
h=7 m=12 s=12
